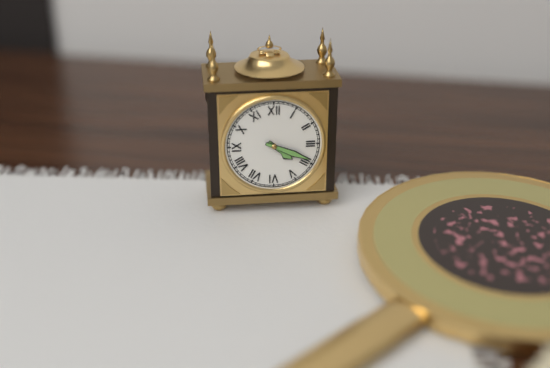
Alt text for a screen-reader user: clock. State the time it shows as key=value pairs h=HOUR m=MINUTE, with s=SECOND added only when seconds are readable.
h=4 m=19
